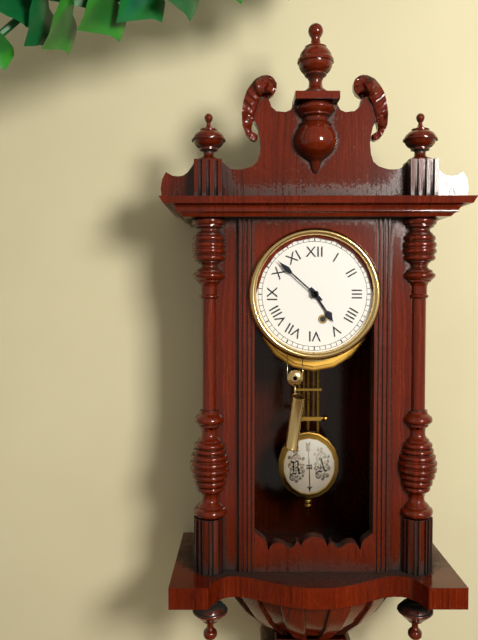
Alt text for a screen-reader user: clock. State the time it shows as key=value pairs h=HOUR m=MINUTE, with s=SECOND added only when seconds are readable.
h=4 m=52
